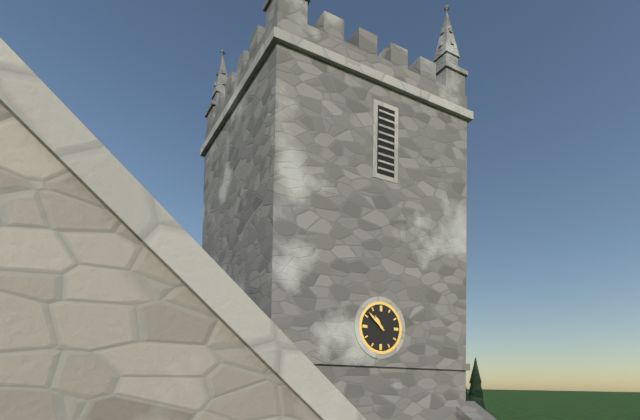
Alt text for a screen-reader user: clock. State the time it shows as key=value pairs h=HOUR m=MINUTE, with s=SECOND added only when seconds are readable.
h=10 m=52
